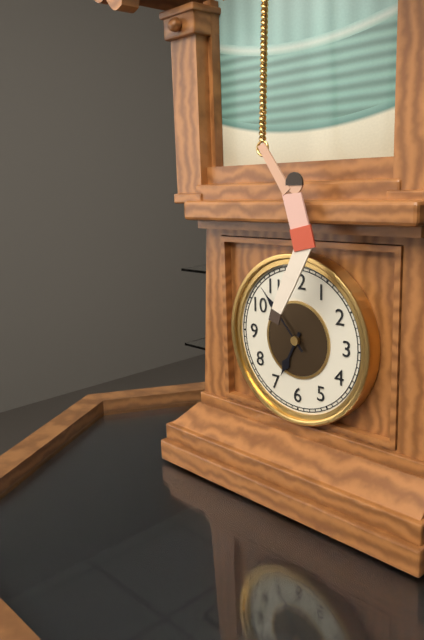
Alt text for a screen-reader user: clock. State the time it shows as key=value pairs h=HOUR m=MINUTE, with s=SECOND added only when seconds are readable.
h=6 m=53
